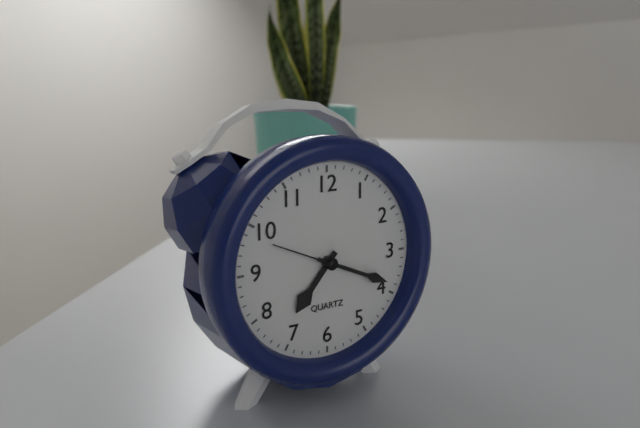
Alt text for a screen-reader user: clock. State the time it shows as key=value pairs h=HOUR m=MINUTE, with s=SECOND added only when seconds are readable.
h=7 m=19 s=49
